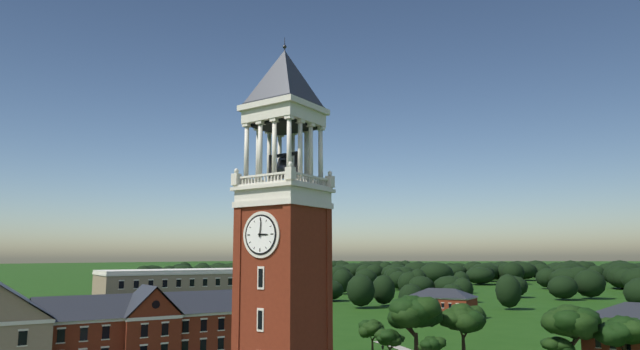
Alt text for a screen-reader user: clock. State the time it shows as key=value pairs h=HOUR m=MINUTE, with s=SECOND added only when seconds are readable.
h=3 m=1
